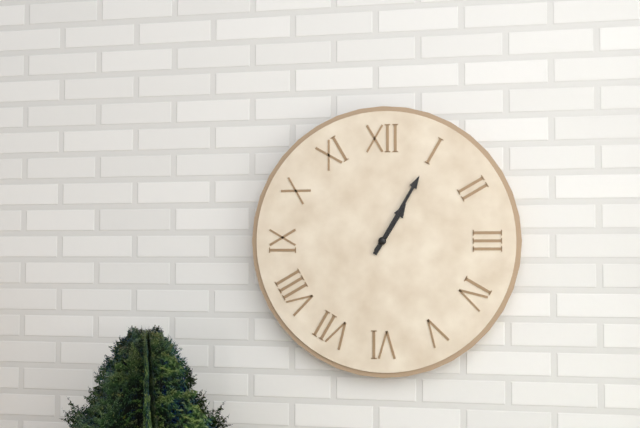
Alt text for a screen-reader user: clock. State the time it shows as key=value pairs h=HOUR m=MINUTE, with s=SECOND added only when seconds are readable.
h=1 m=5
